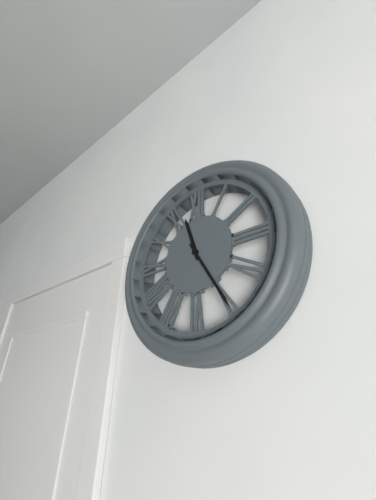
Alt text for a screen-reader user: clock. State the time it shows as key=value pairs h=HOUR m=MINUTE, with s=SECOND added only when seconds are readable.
h=11 m=25
